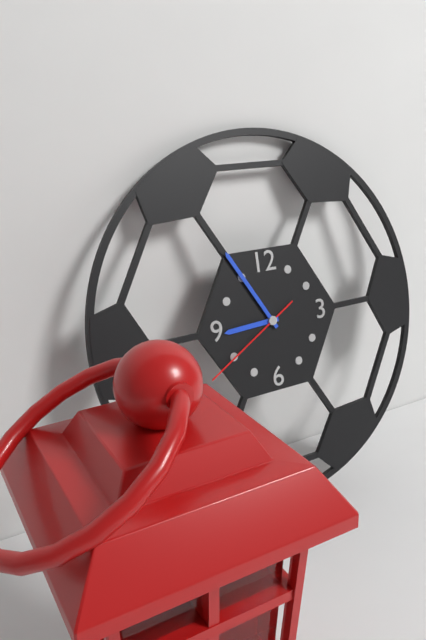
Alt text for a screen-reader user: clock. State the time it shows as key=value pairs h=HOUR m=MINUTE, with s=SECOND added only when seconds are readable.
h=8 m=55 s=40
